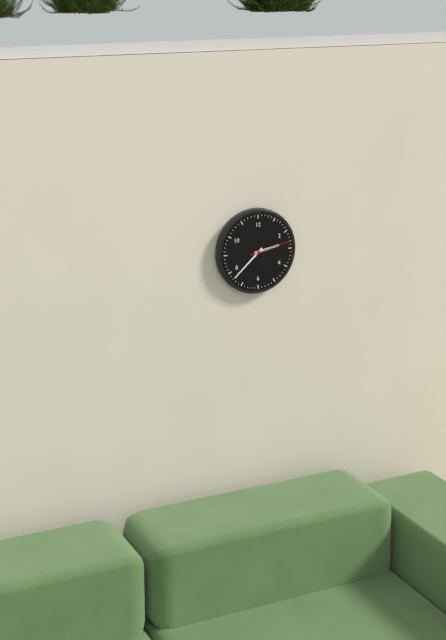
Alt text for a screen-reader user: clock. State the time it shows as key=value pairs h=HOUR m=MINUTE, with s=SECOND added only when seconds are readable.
h=2 m=38
